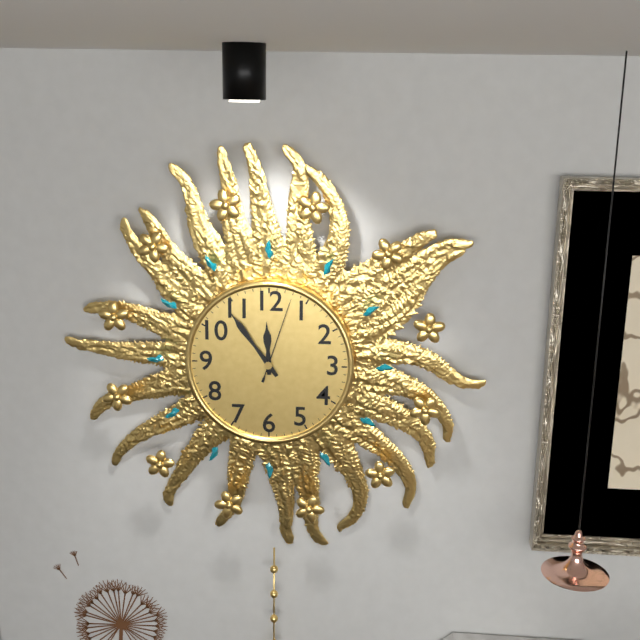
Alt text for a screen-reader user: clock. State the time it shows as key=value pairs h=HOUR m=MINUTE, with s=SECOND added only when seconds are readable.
h=11 m=54 s=3
